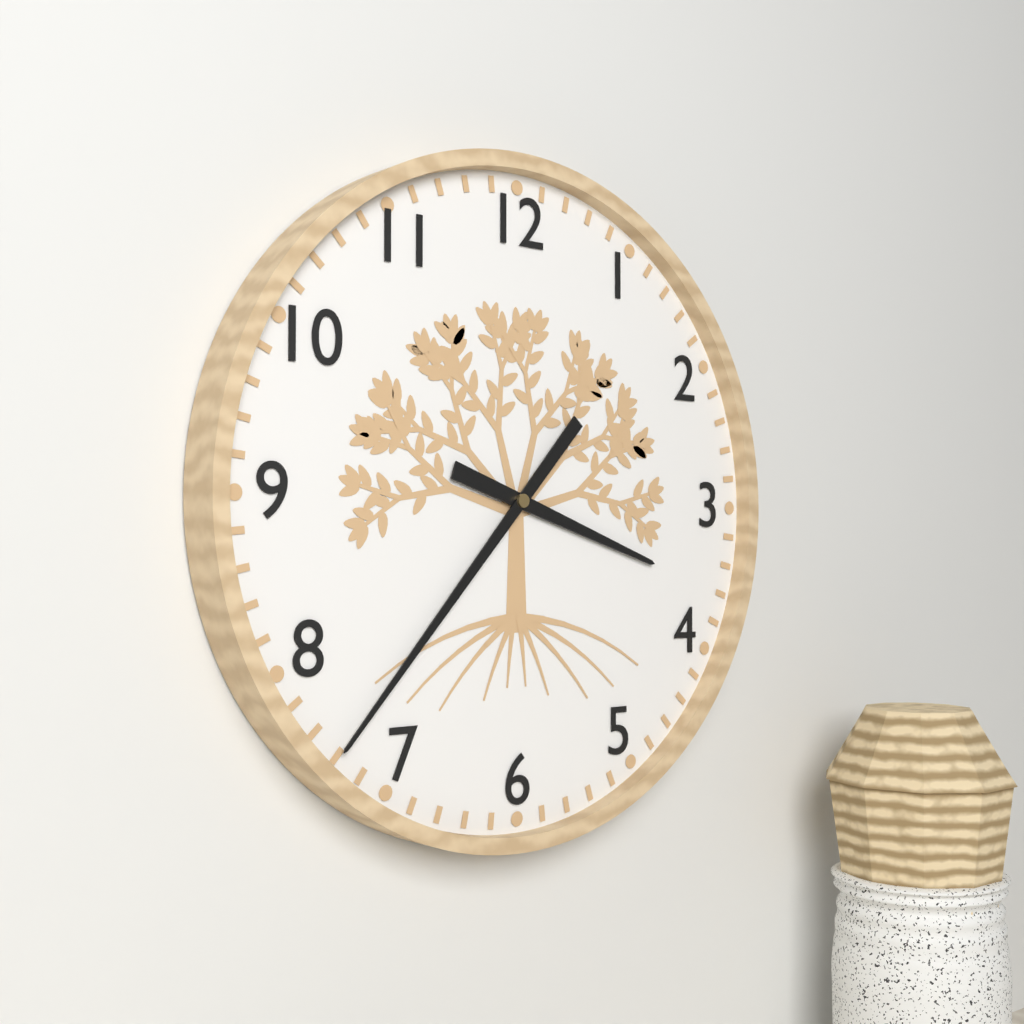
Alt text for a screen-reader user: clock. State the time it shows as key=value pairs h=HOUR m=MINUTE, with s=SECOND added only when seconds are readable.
h=3 m=37
